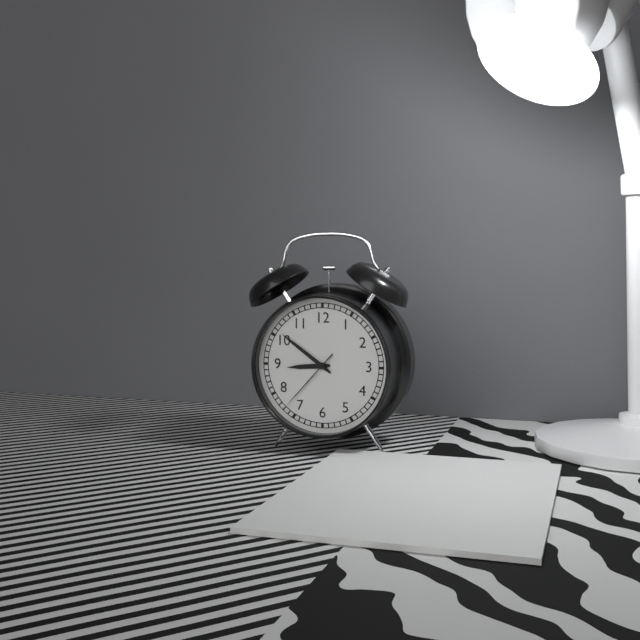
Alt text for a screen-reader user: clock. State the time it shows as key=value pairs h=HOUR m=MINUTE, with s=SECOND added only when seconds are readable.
h=8 m=51 s=37
